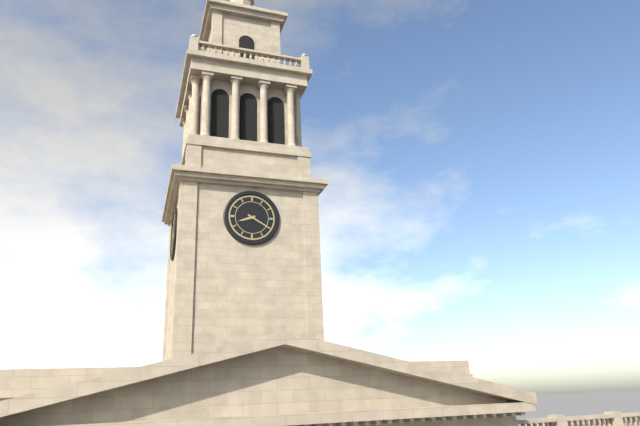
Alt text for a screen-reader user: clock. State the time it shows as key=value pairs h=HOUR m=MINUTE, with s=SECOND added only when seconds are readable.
h=8 m=20
